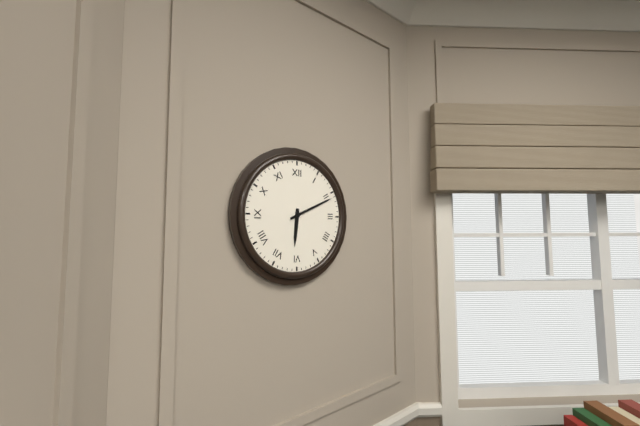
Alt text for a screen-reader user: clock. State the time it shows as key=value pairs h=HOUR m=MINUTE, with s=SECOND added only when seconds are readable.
h=6 m=11
